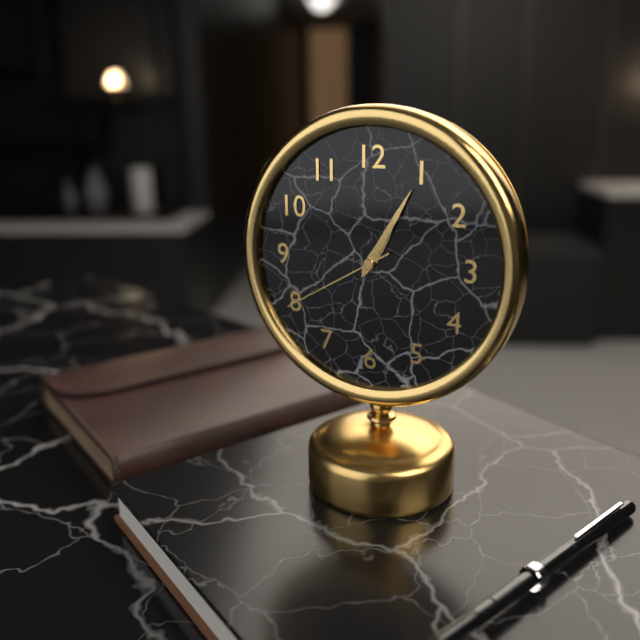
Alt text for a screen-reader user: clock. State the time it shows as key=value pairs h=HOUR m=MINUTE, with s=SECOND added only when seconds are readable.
h=1 m=5 s=40
